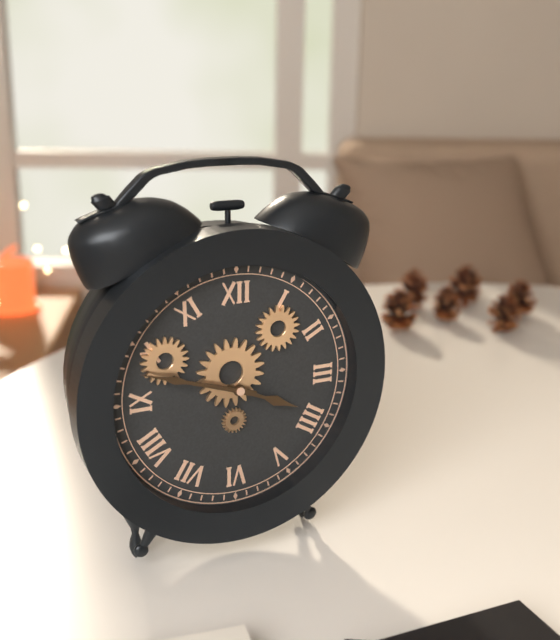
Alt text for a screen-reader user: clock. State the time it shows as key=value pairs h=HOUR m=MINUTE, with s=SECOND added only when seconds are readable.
h=3 m=48
